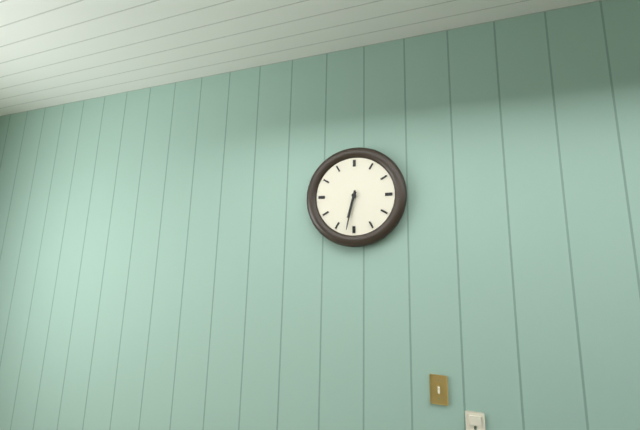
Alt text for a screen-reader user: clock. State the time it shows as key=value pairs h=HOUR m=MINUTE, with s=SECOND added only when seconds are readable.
h=6 m=32
